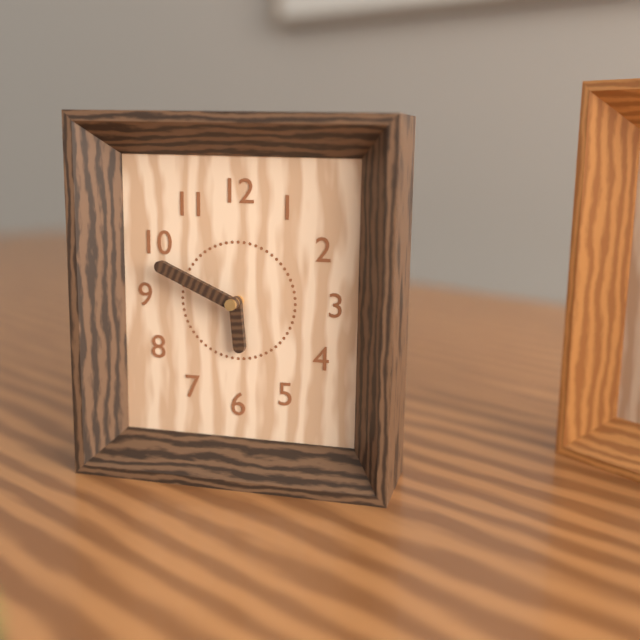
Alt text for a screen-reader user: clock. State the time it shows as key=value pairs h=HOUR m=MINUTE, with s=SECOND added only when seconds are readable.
h=5 m=49
